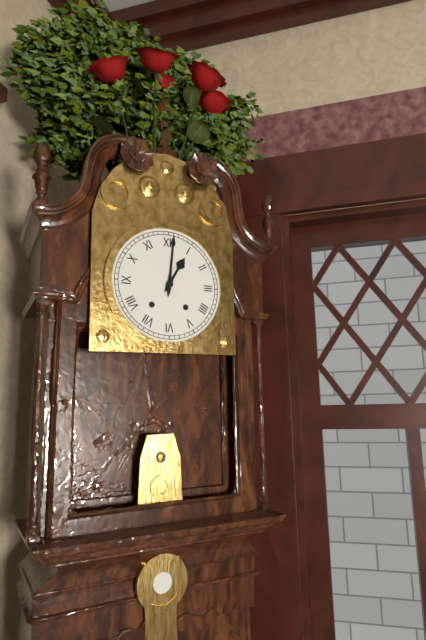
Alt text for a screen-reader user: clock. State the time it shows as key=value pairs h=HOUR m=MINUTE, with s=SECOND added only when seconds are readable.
h=1 m=1
